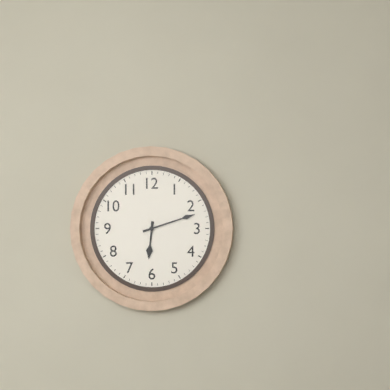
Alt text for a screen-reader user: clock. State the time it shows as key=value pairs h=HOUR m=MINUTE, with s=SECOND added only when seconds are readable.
h=6 m=12
